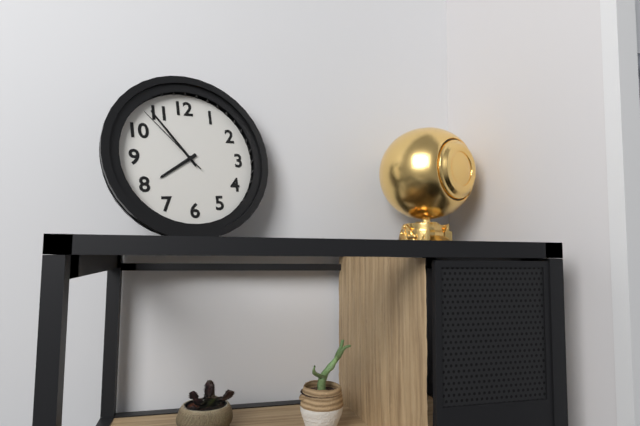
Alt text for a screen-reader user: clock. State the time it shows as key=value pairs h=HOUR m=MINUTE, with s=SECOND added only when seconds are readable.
h=7 m=54 s=53
